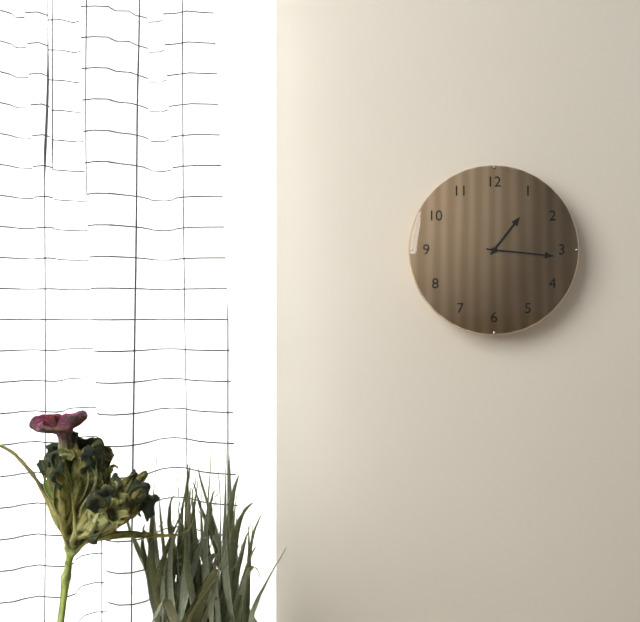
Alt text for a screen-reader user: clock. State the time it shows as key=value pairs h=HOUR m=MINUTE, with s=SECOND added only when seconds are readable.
h=1 m=16
